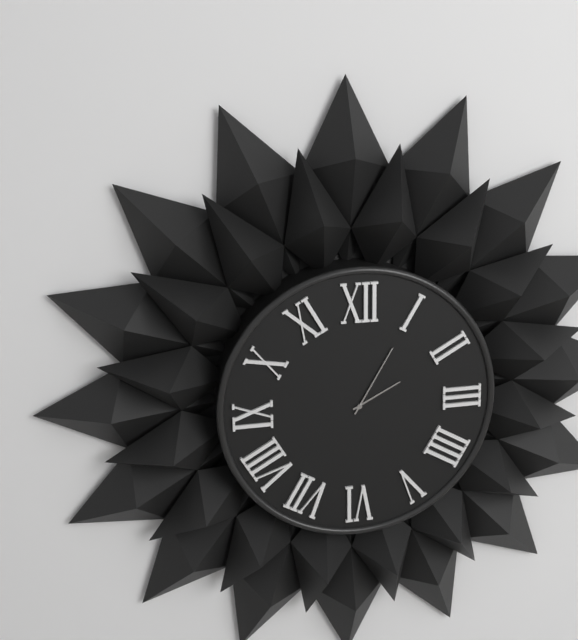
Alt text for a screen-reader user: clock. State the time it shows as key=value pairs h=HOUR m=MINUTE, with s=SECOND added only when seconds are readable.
h=2 m=5
